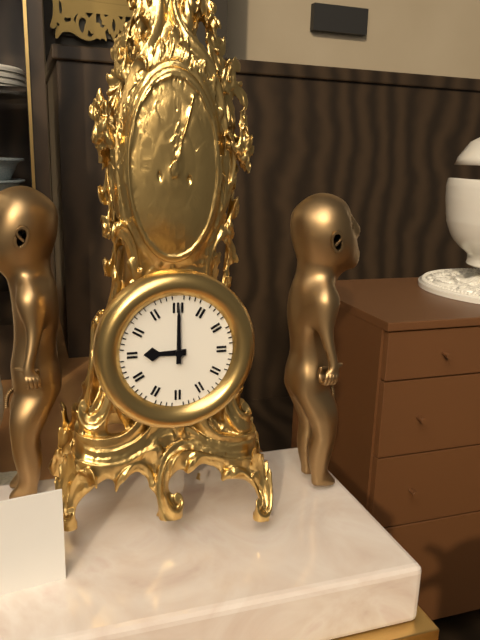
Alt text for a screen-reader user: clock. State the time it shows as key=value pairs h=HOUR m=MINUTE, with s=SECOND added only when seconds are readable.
h=9 m=0
